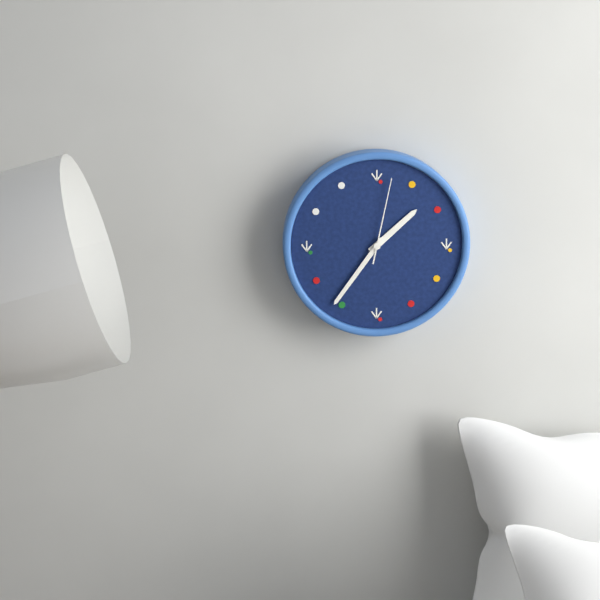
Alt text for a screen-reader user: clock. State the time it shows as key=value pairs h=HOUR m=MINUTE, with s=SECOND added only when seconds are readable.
h=1 m=36 s=2
